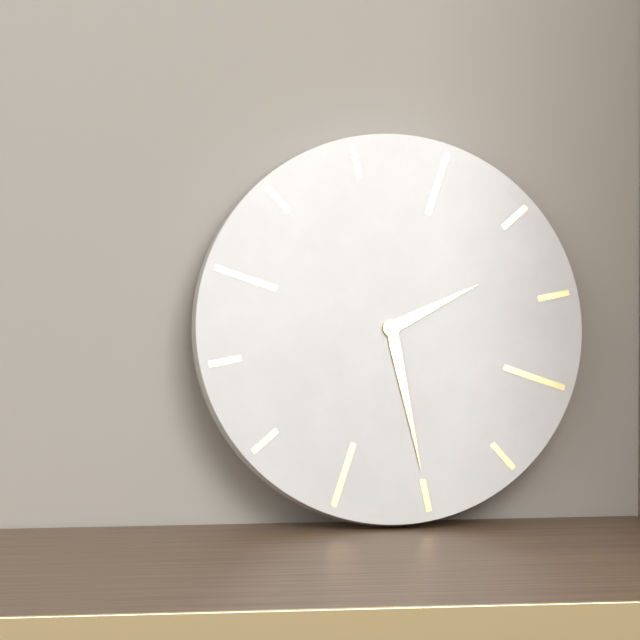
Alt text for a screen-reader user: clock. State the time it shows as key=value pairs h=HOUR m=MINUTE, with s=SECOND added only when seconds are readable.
h=2 m=30
